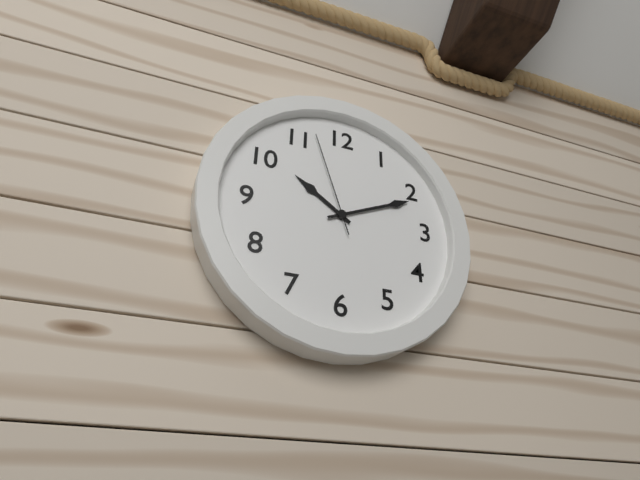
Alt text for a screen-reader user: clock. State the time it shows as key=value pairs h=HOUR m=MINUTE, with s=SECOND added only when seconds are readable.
h=10 m=11 s=57
